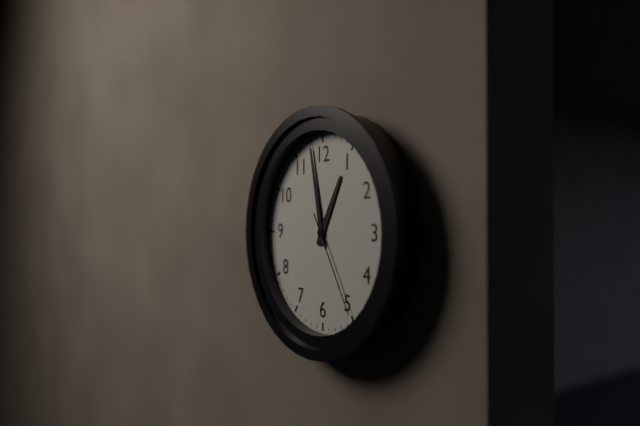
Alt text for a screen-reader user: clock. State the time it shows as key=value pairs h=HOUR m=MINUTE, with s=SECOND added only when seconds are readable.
h=12 m=58 s=25
